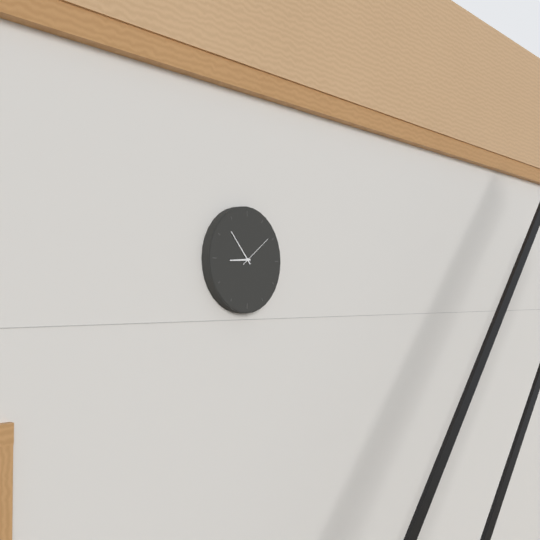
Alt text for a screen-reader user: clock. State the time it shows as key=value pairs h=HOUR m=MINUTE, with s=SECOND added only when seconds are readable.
h=8 m=53
